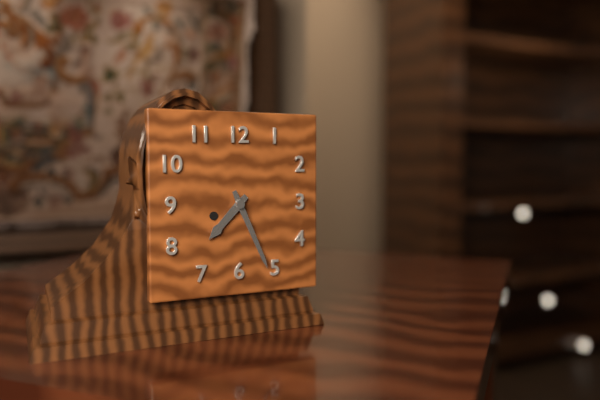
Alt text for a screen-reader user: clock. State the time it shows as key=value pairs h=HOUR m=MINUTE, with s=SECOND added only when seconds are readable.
h=7 m=26
